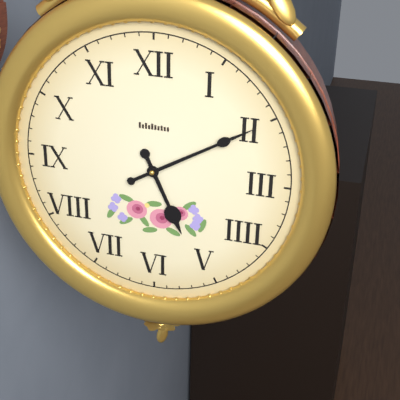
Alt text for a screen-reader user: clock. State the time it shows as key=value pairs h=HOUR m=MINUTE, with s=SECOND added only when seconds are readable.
h=5 m=10
